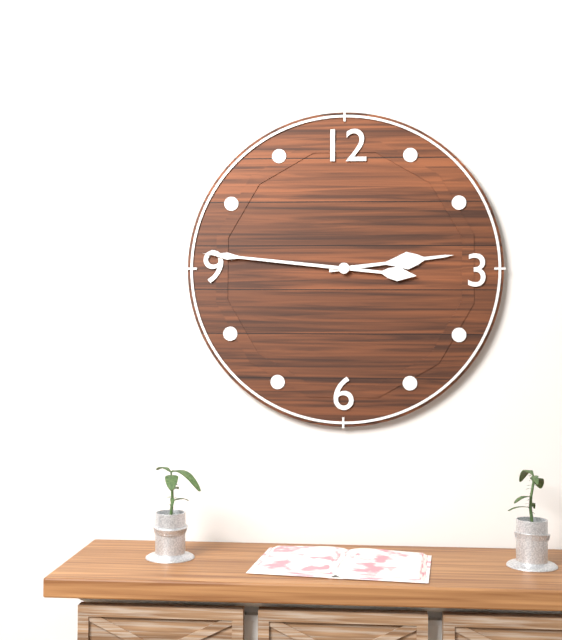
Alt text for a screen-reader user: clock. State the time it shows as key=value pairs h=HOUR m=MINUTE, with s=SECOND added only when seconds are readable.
h=2 m=46
